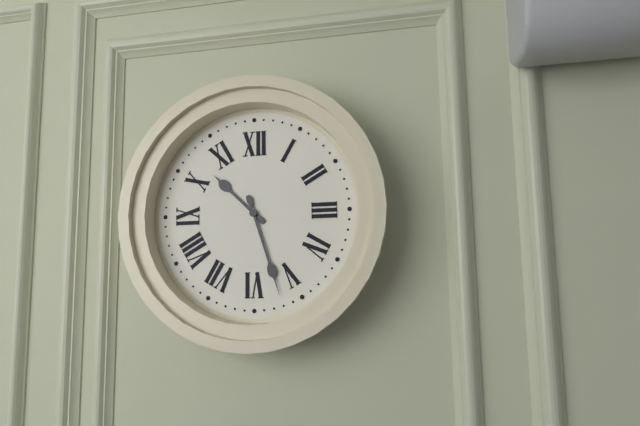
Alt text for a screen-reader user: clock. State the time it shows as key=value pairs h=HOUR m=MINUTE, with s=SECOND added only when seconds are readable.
h=10 m=27
